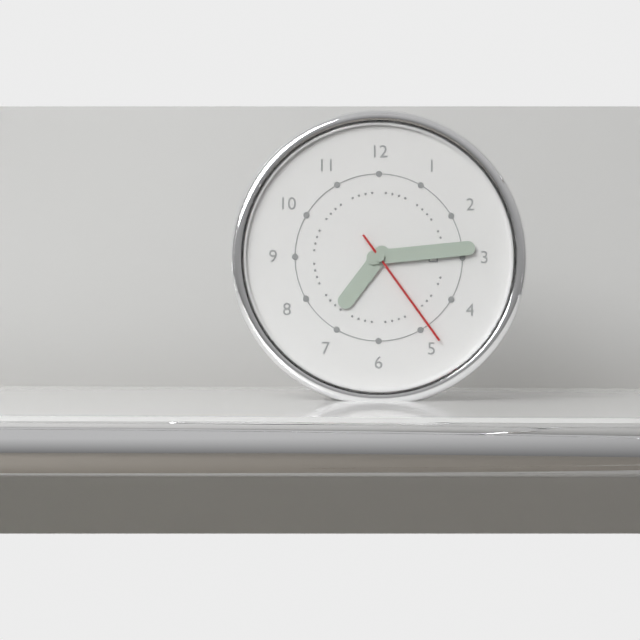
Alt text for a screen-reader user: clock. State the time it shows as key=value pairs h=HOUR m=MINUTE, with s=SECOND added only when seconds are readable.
h=7 m=14 s=24
